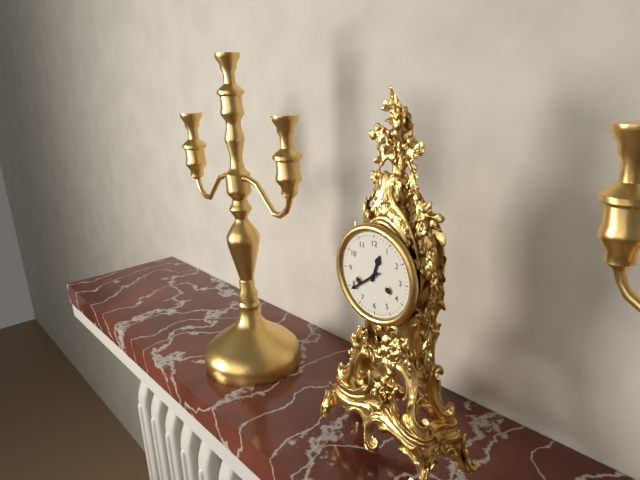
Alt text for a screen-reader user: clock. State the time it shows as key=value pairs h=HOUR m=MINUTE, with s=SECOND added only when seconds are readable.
h=12 m=39
